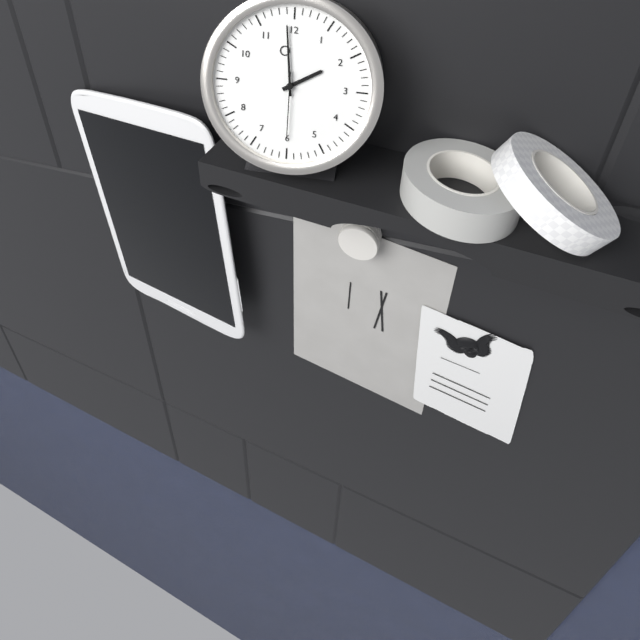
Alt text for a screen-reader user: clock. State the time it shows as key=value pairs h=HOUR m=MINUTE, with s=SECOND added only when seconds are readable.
h=1 m=59 s=30
